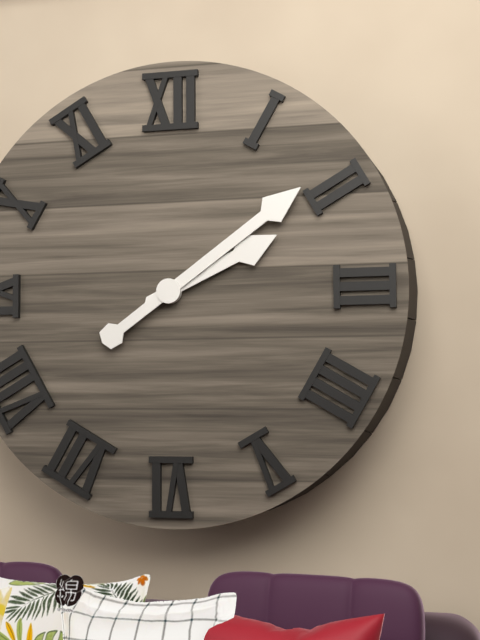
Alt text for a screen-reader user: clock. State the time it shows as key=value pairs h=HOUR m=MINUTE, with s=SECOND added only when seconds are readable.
h=2 m=9
